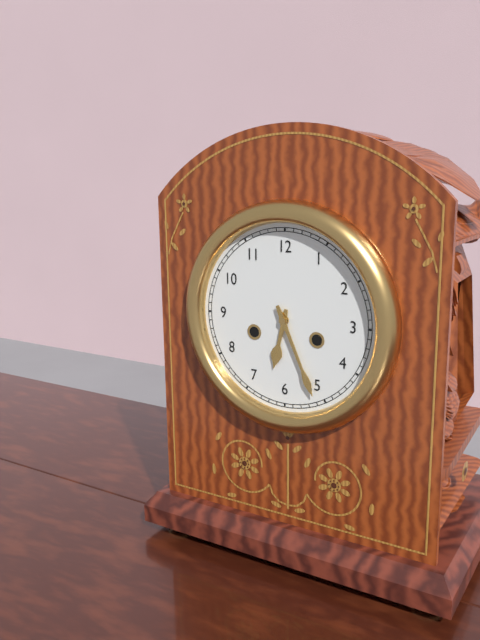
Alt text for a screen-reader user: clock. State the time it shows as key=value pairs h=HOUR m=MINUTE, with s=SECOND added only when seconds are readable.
h=6 m=26
